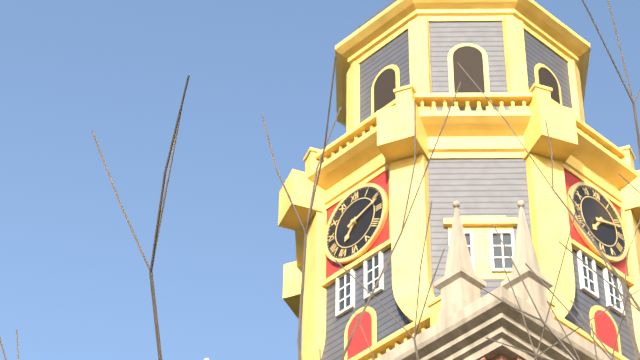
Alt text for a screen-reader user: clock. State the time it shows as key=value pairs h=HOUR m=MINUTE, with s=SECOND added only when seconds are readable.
h=7 m=12
